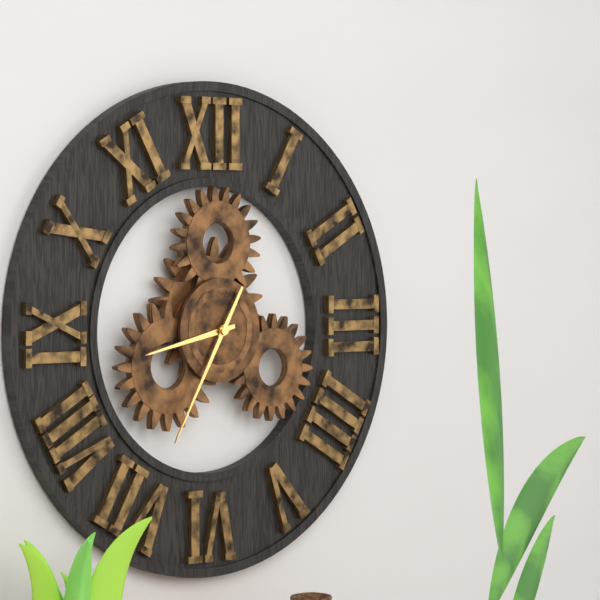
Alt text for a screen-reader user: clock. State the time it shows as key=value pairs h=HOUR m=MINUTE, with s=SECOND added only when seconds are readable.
h=8 m=35
